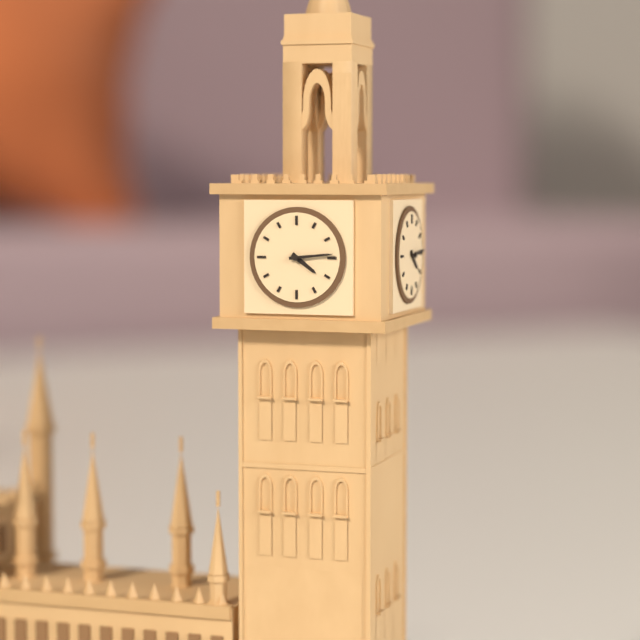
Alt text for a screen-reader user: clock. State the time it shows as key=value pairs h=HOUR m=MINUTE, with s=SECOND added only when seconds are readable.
h=4 m=14
